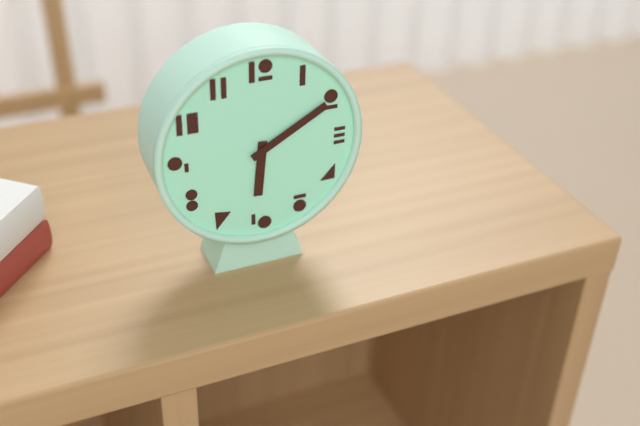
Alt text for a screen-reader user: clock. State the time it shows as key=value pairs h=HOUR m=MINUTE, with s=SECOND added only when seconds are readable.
h=6 m=10
